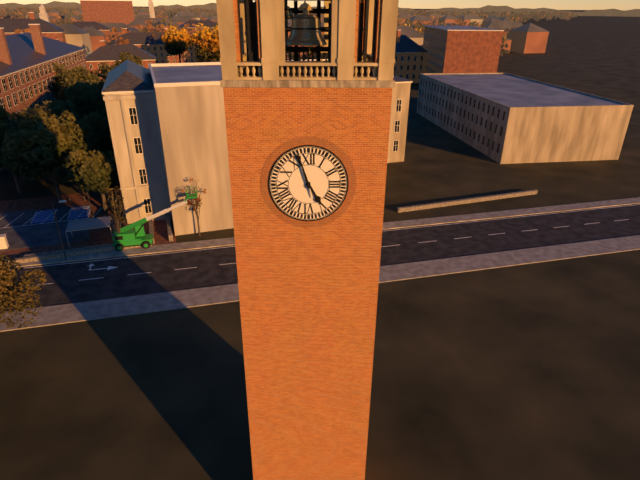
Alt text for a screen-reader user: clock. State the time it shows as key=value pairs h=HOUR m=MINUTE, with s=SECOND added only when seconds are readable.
h=4 m=57
